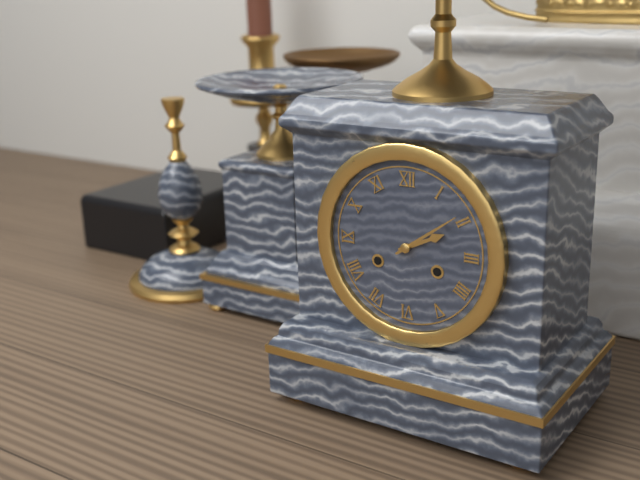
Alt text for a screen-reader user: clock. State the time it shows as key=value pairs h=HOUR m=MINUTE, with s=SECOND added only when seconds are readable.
h=2 m=9
